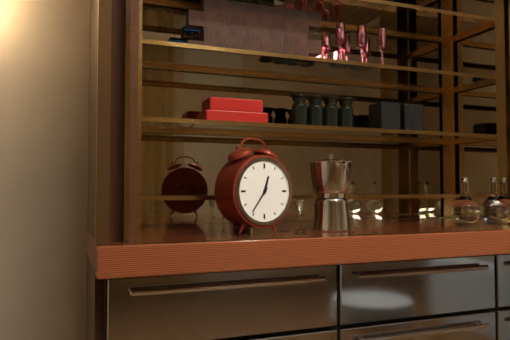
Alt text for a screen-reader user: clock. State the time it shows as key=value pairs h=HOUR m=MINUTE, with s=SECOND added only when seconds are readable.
h=12 m=36
